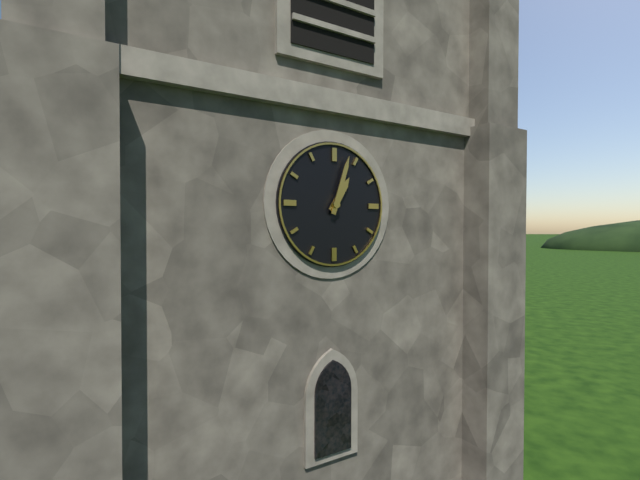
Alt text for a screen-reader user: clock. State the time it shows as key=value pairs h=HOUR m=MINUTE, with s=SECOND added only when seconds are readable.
h=1 m=3
